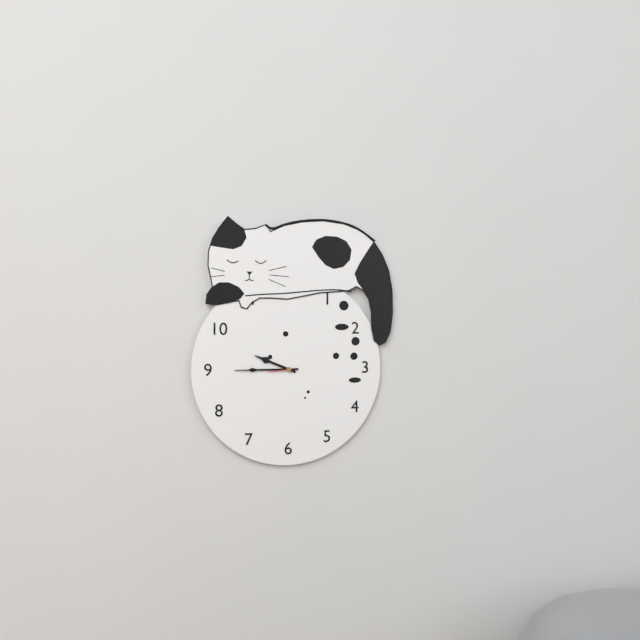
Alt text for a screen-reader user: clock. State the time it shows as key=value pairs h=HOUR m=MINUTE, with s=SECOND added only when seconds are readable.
h=9 m=45
